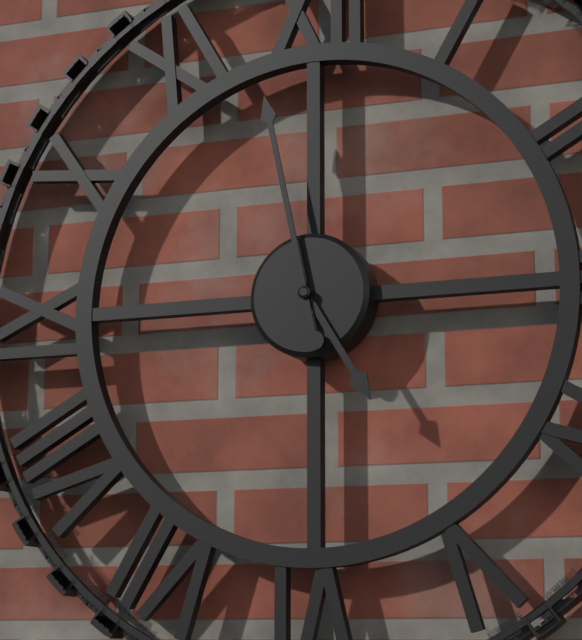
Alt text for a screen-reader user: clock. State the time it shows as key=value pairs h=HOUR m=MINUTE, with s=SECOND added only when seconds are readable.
h=4 m=58
